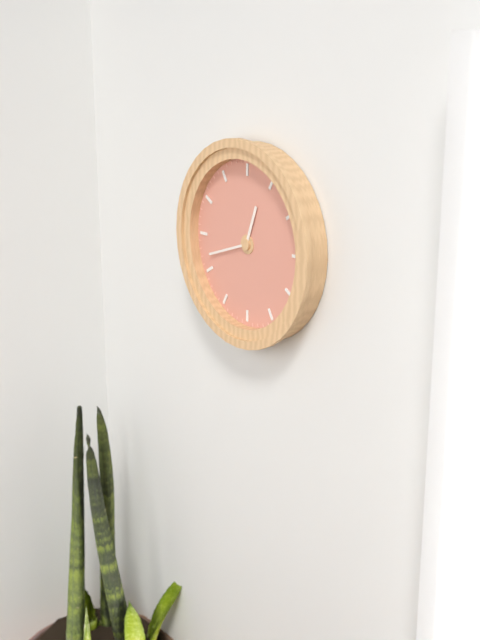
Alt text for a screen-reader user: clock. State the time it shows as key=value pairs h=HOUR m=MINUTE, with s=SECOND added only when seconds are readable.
h=12 m=42
